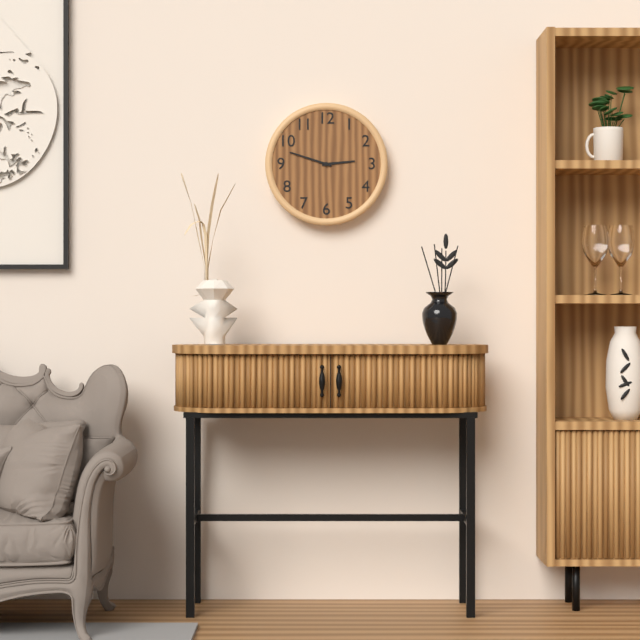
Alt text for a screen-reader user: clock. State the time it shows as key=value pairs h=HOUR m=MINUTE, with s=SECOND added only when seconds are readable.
h=2 m=48
